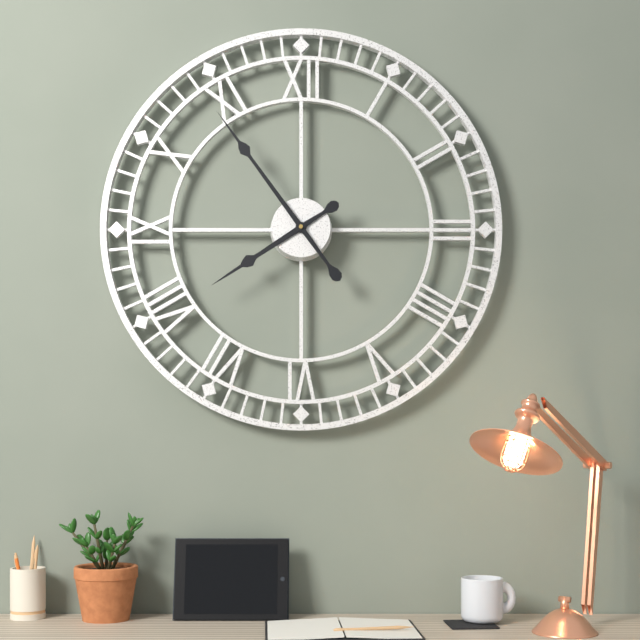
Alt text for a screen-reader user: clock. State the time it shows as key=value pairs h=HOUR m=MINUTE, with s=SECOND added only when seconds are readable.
h=7 m=54
